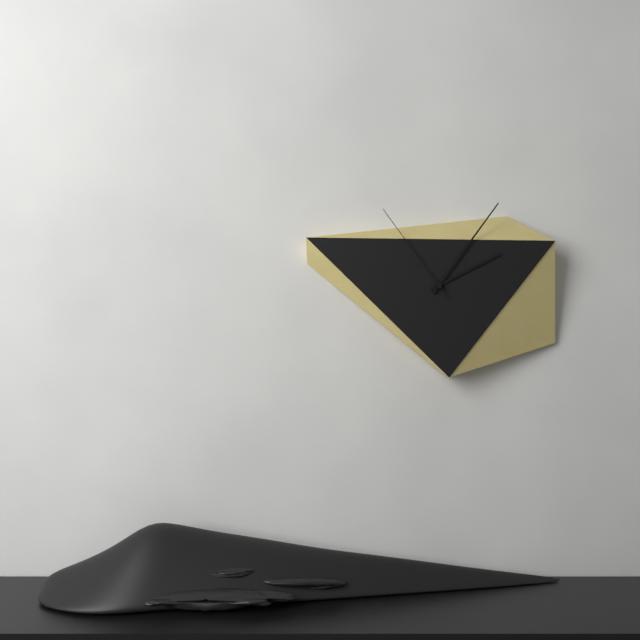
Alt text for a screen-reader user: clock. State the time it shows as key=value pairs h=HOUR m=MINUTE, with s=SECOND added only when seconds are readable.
h=2 m=6 s=54
